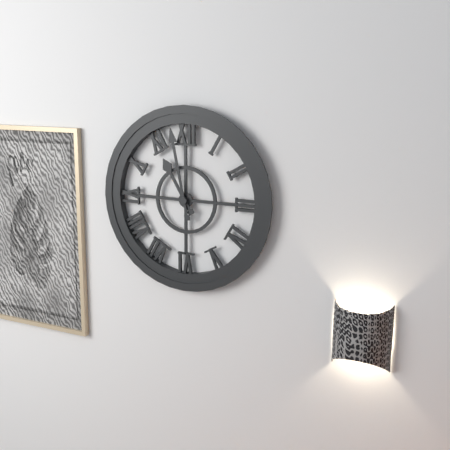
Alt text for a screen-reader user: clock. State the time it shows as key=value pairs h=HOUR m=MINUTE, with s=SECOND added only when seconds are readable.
h=10 m=58
